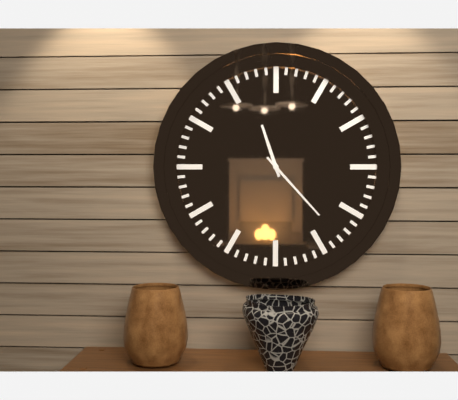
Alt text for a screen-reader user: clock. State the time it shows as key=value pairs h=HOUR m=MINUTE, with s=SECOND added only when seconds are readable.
h=11 m=23
